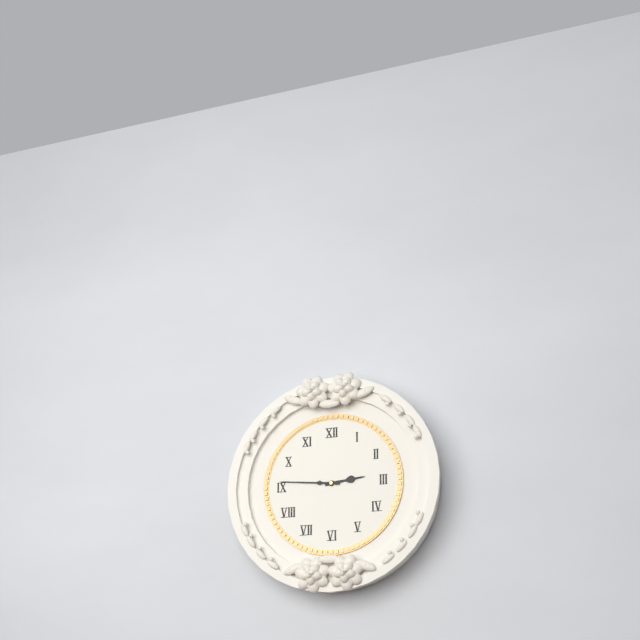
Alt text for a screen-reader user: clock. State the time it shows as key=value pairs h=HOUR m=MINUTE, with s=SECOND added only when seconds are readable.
h=2 m=46
